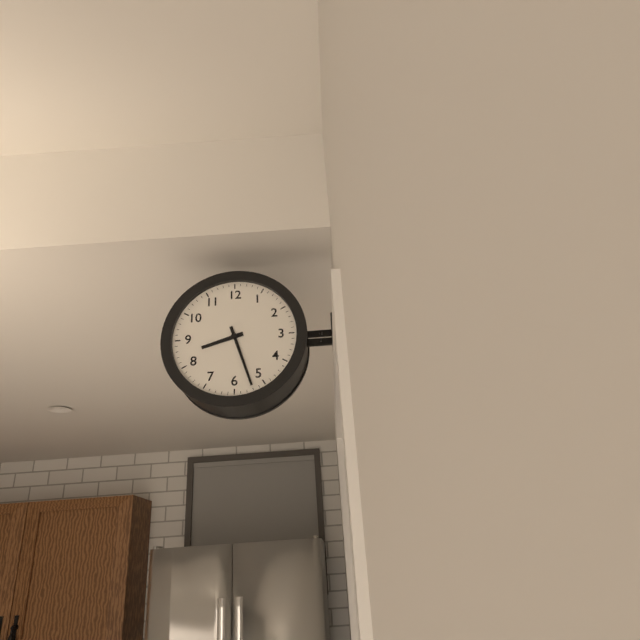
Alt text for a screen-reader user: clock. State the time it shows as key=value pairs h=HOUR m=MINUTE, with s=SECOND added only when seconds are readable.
h=8 m=27
